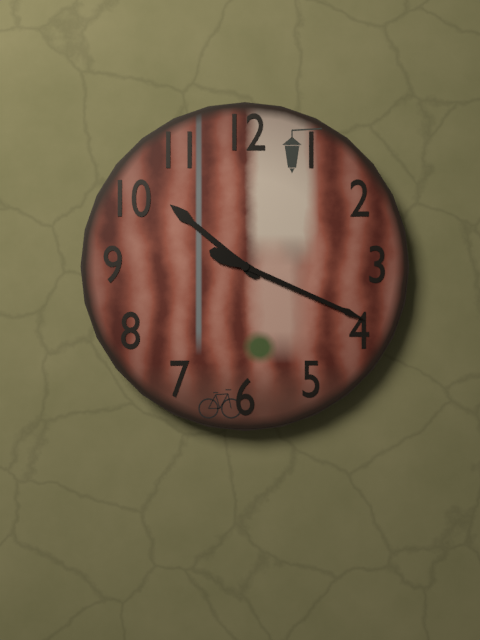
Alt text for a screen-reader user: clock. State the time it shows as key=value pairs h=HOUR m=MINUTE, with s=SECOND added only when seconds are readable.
h=10 m=19
